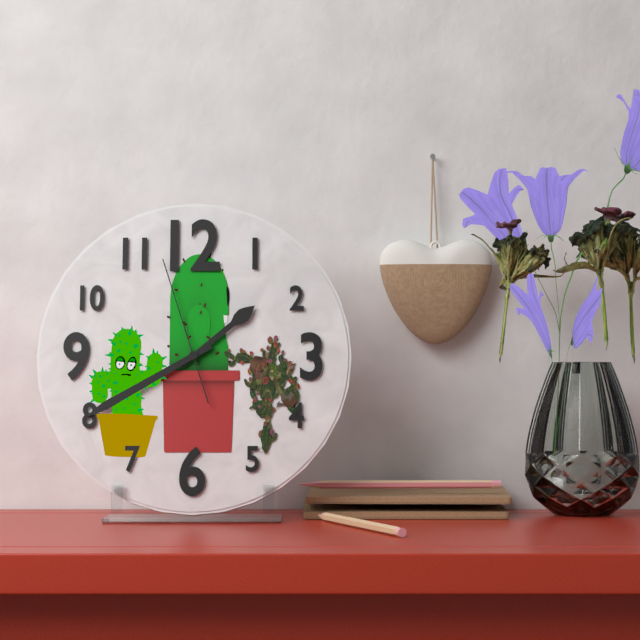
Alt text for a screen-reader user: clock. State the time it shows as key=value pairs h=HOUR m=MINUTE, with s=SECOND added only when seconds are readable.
h=1 m=40 s=57
